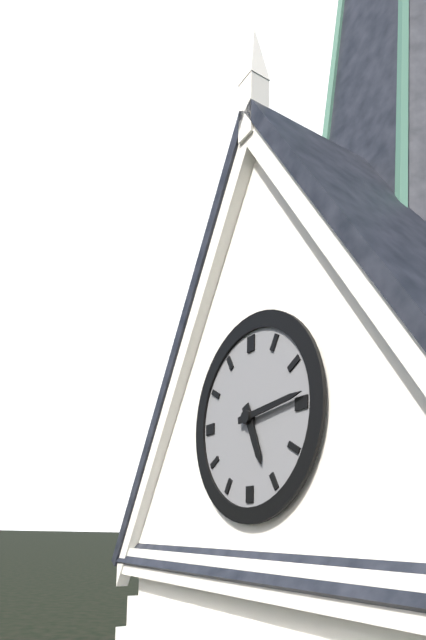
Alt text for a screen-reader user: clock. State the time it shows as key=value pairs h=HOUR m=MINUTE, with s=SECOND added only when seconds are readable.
h=5 m=14
